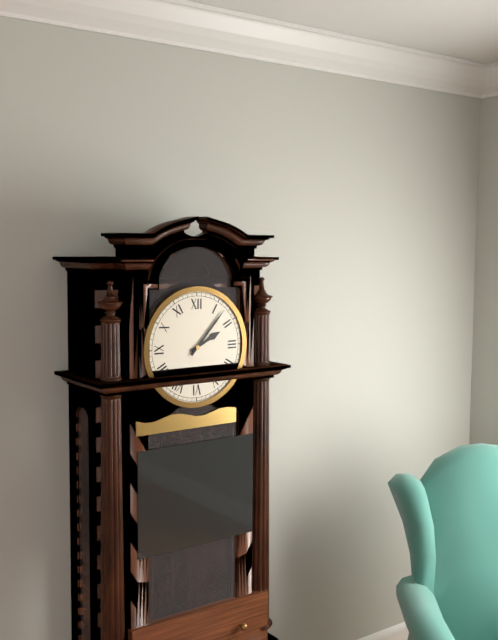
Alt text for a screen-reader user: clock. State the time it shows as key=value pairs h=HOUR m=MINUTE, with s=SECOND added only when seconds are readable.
h=2 m=7
